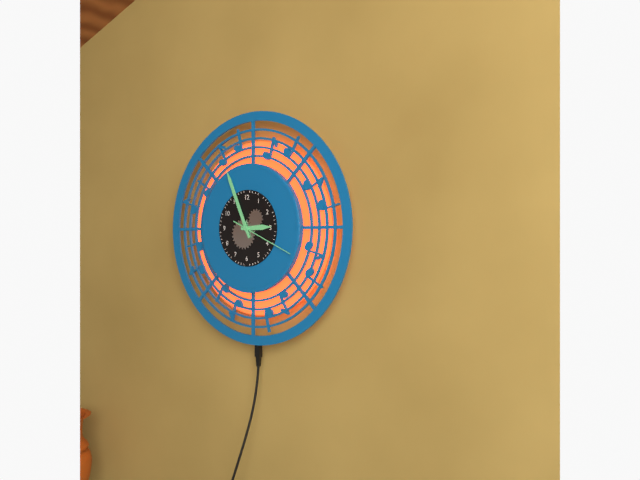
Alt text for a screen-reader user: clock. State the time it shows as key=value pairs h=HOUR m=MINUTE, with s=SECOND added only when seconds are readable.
h=2 m=56
